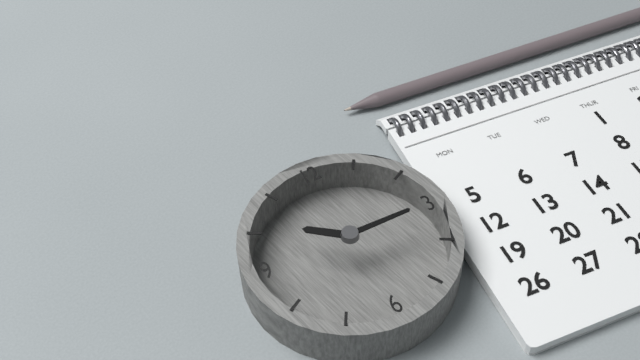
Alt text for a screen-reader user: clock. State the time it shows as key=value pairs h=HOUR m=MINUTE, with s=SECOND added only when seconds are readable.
h=10 m=15
